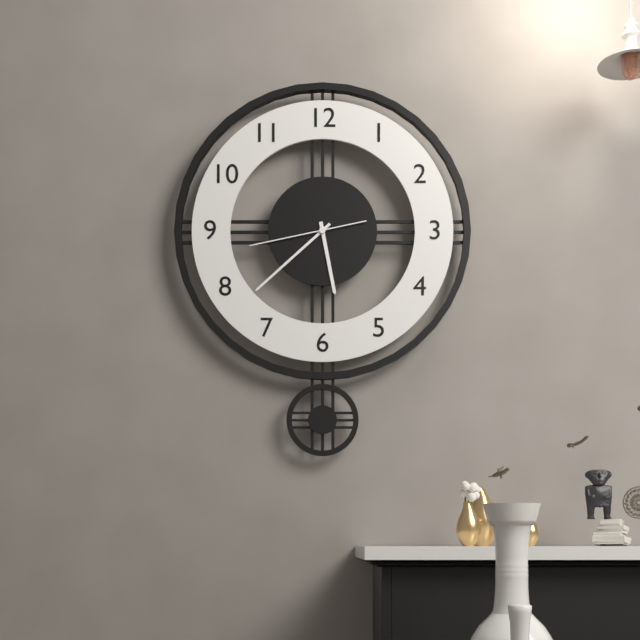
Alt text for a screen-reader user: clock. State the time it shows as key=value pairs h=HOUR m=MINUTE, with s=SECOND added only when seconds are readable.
h=5 m=38 s=43
